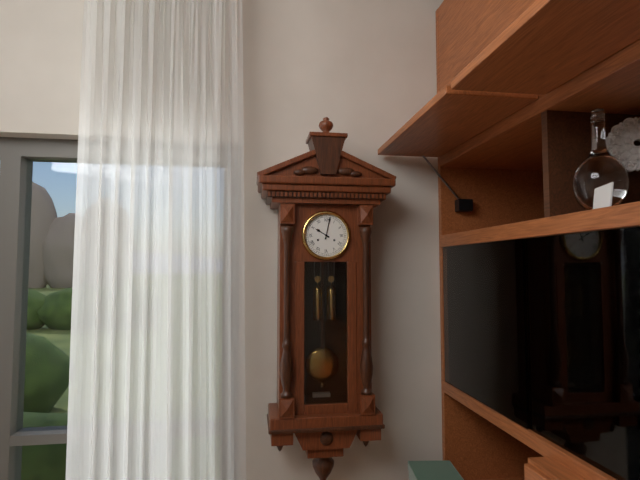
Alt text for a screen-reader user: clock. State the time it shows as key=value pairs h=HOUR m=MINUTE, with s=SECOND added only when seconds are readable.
h=10 m=2
